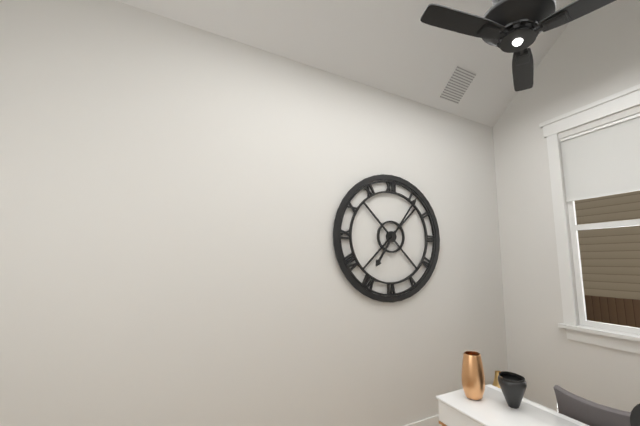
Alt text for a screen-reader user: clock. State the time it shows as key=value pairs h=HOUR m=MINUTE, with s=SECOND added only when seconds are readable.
h=7 m=6
